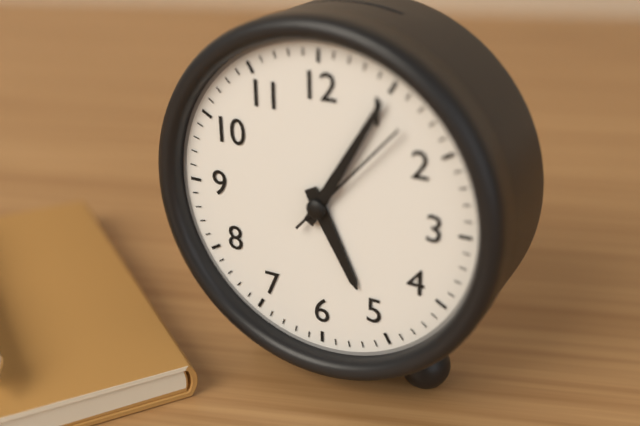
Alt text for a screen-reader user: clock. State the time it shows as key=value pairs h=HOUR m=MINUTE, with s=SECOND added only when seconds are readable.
h=5 m=5 s=7
